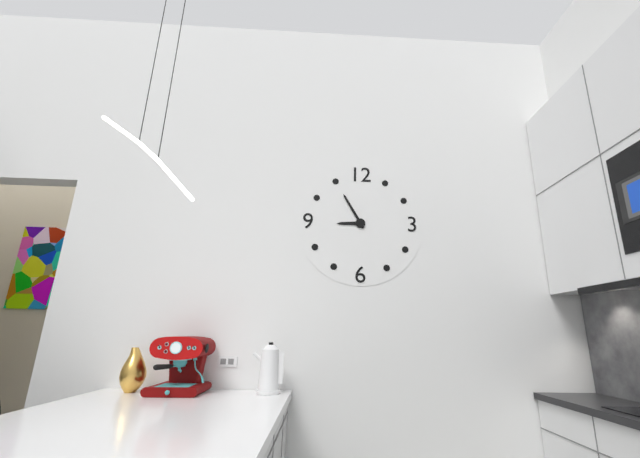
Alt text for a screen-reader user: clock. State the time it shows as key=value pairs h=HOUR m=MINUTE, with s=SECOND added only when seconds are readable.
h=8 m=55
